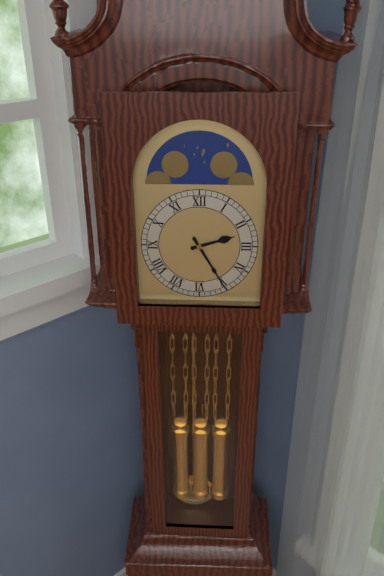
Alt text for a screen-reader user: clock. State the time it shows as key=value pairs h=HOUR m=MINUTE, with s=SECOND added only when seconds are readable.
h=2 m=25
